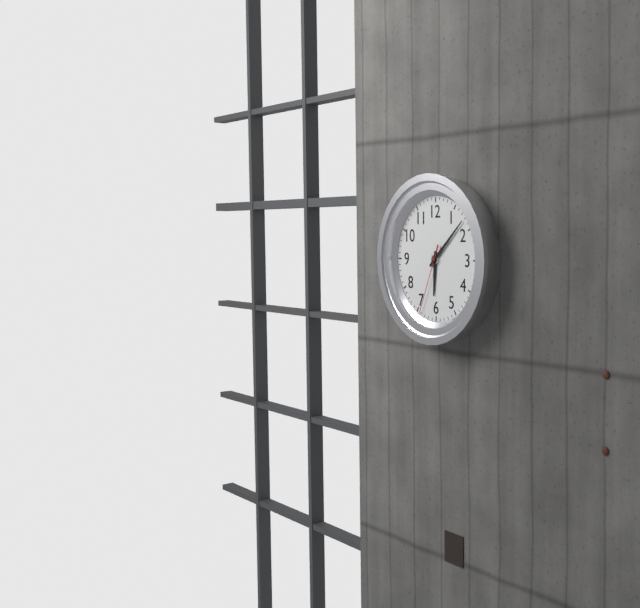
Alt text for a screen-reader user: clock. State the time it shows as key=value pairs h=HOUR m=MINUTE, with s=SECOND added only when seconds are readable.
h=6 m=8 s=34
